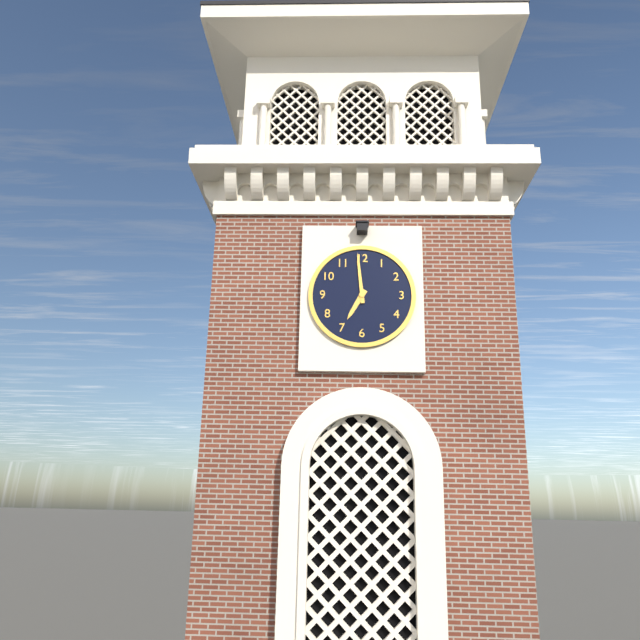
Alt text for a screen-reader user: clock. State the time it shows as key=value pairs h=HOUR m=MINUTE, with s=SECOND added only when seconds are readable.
h=6 m=59
